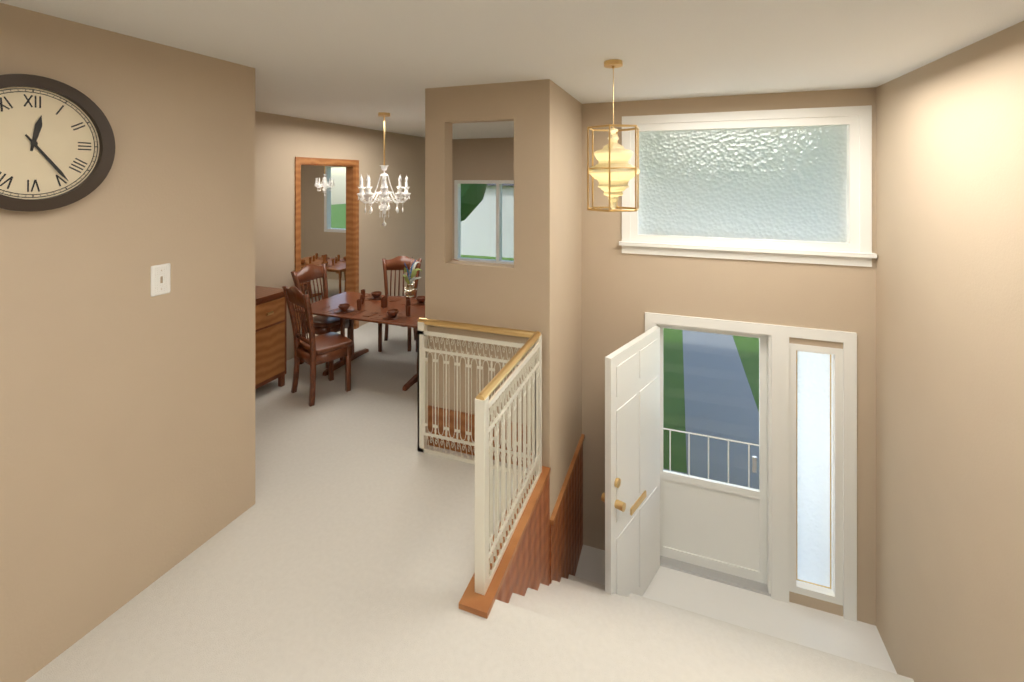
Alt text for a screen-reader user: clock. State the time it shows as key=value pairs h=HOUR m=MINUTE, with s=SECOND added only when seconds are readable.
h=12 m=24
